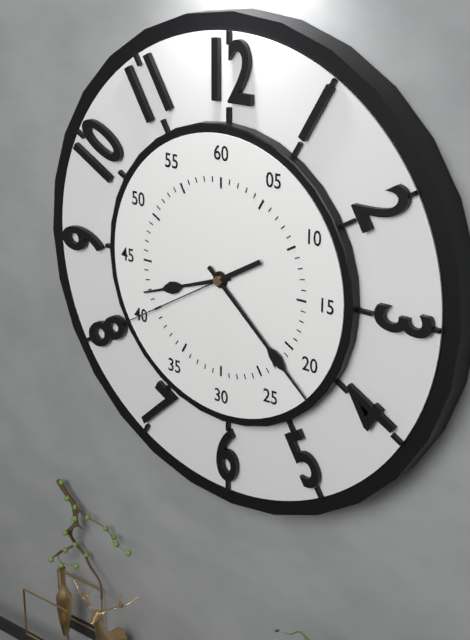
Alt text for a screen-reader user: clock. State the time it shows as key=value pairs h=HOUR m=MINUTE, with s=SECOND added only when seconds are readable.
h=8 m=22 s=40
